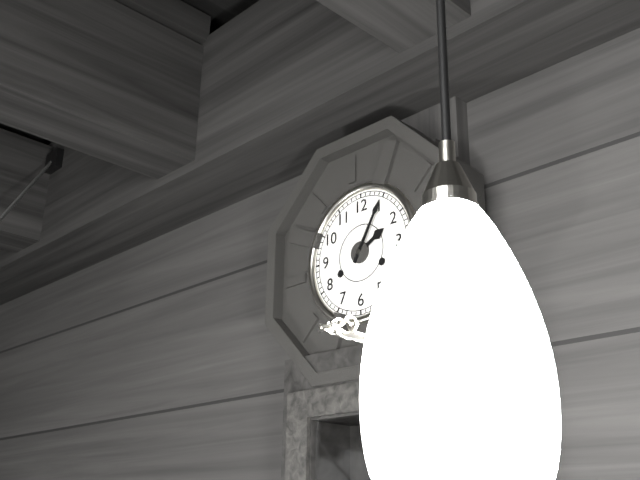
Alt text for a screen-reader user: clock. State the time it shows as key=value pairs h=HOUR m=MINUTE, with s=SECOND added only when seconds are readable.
h=2 m=5
